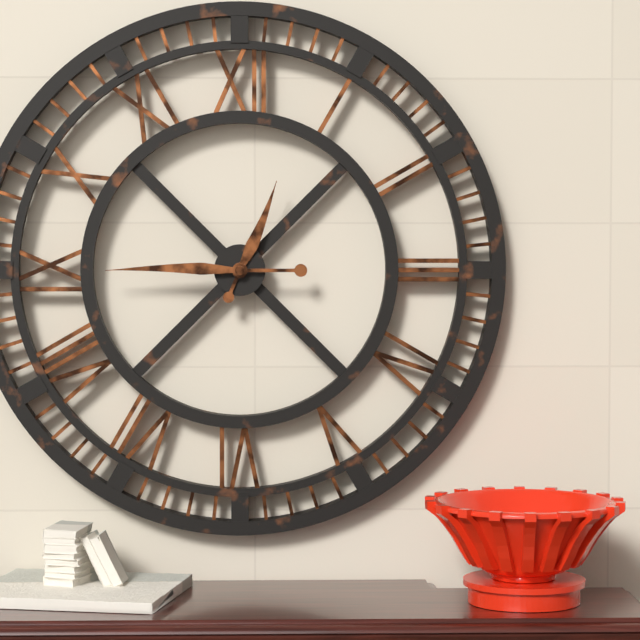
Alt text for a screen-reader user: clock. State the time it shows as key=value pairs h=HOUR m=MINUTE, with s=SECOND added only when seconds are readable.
h=12 m=45
